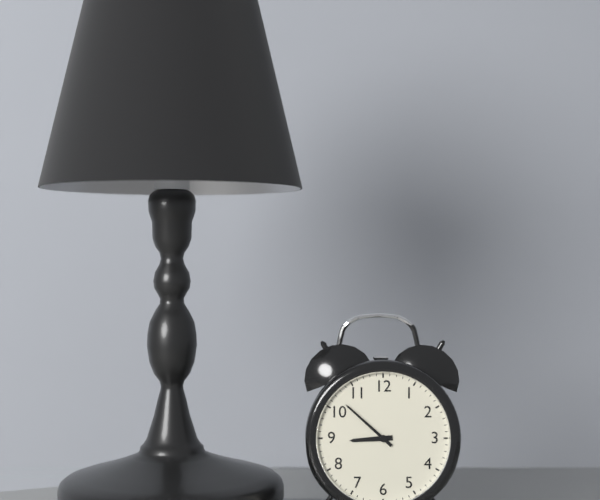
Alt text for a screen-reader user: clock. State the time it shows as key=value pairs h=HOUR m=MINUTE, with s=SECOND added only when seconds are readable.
h=8 m=52
